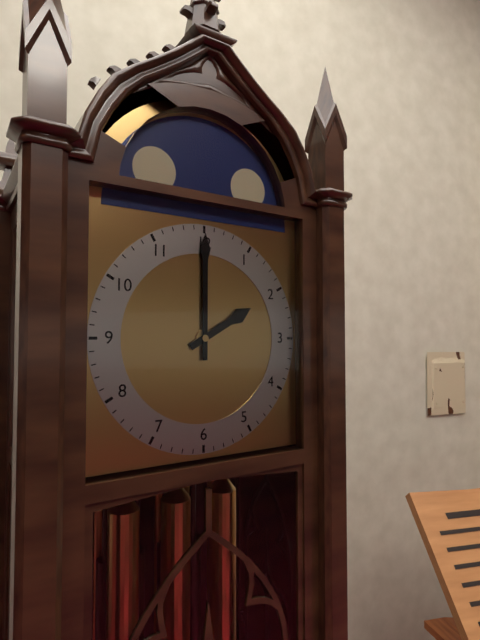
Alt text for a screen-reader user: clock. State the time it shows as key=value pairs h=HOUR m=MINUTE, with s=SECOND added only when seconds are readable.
h=2 m=0
